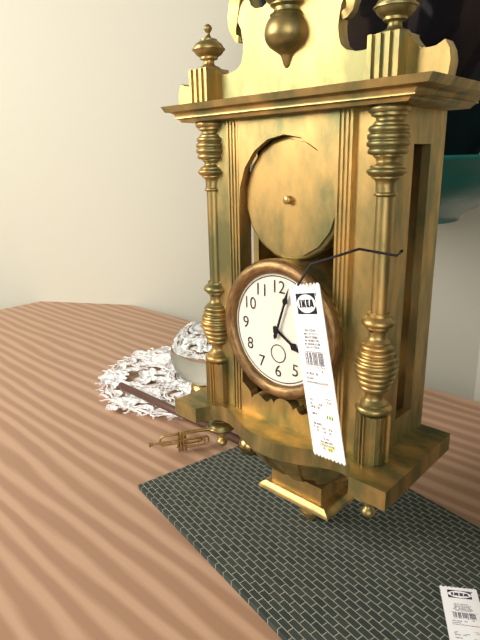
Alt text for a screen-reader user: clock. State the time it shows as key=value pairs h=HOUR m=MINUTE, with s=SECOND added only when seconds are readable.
h=4 m=3
